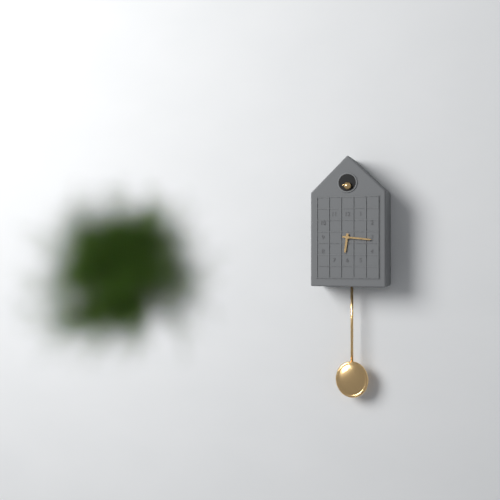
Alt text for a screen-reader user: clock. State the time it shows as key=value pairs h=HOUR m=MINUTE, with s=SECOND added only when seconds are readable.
h=6 m=16
